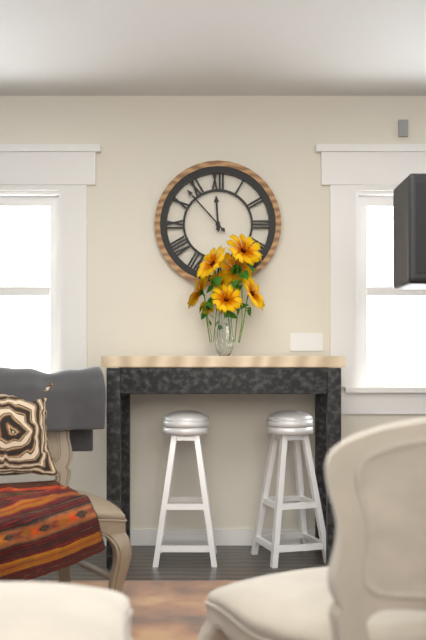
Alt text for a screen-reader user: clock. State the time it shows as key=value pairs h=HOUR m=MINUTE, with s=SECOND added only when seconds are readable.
h=11 m=53
